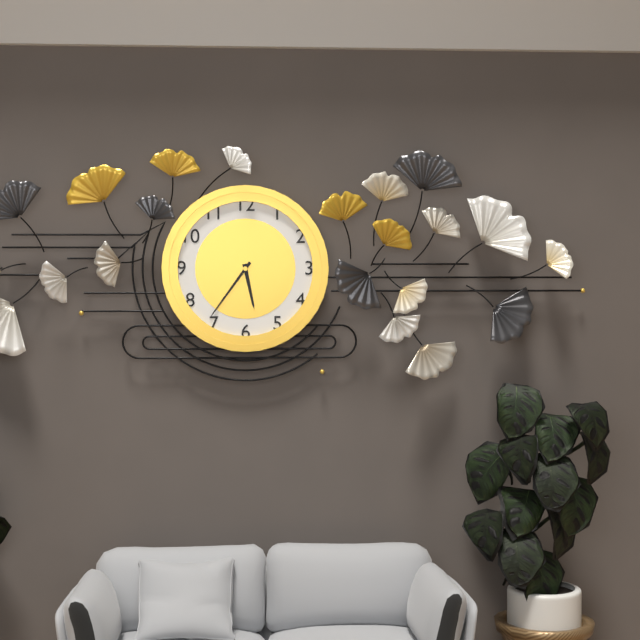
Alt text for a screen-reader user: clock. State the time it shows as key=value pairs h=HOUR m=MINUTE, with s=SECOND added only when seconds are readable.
h=5 m=36
